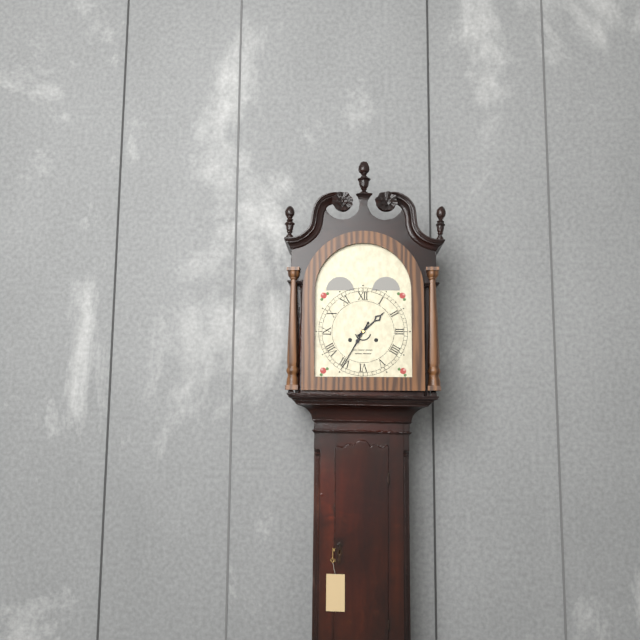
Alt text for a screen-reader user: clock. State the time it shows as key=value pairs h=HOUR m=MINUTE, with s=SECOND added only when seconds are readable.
h=1 m=35
